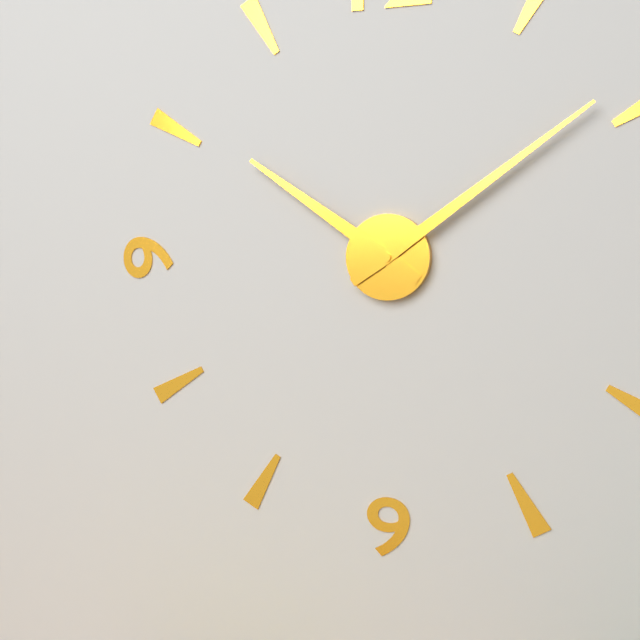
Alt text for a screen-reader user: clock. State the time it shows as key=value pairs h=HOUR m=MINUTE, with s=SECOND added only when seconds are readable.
h=10 m=9
